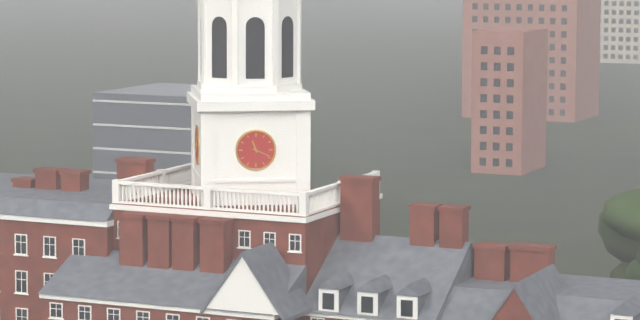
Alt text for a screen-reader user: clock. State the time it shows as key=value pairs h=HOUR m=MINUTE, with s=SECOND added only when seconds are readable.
h=11 m=19
